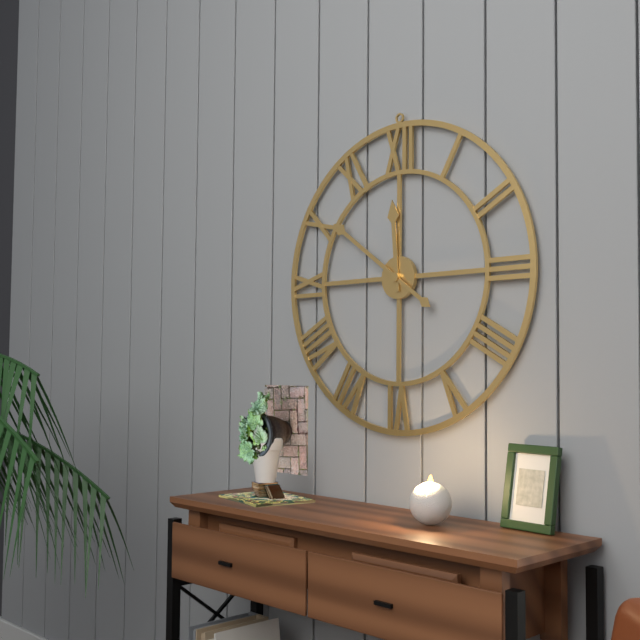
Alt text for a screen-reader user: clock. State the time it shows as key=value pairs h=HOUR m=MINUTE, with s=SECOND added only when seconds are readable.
h=11 m=51
